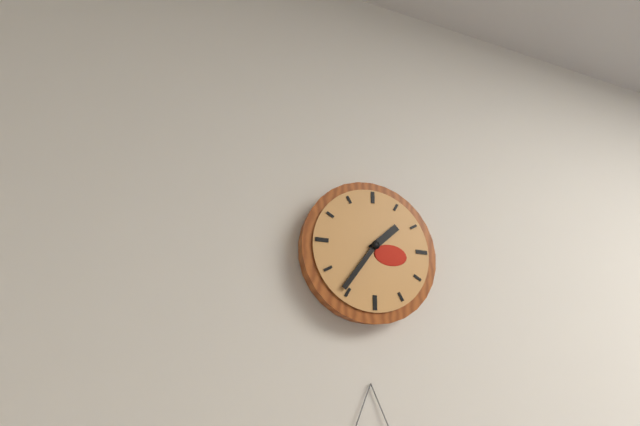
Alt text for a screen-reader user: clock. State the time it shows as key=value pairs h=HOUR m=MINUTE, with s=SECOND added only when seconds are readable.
h=1 m=36
